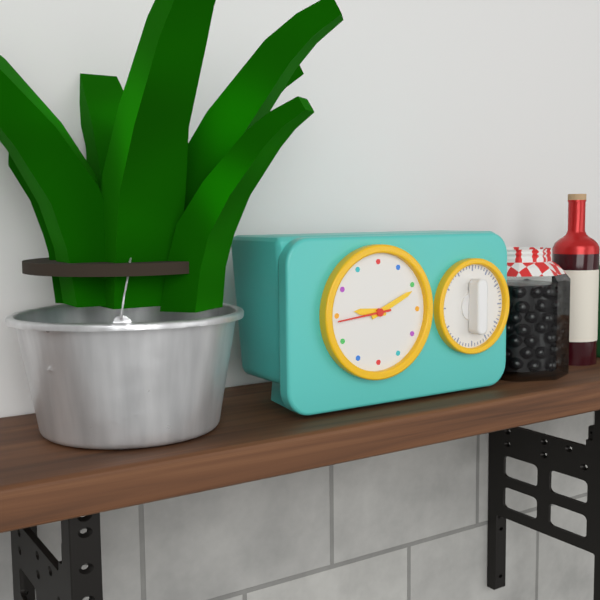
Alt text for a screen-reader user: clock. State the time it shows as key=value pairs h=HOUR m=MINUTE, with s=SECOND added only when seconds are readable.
h=9 m=11 s=44
